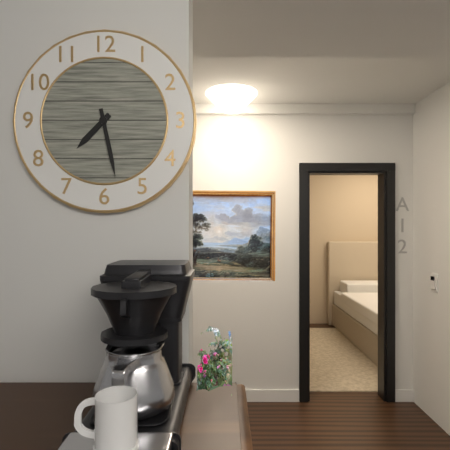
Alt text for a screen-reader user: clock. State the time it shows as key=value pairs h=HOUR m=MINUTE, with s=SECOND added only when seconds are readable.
h=7 m=28
